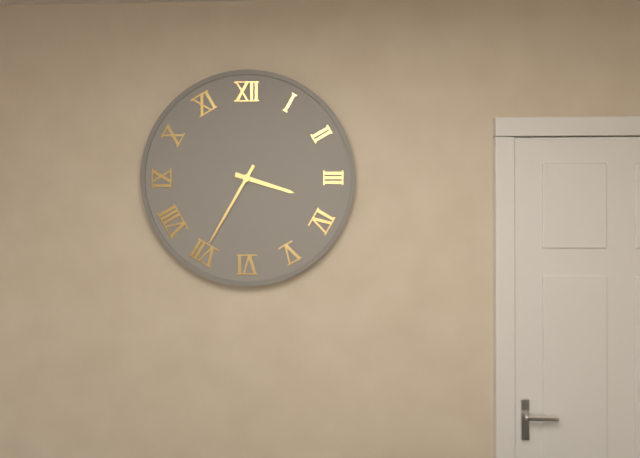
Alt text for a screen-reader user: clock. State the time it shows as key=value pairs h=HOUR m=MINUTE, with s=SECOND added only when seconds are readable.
h=3 m=35
